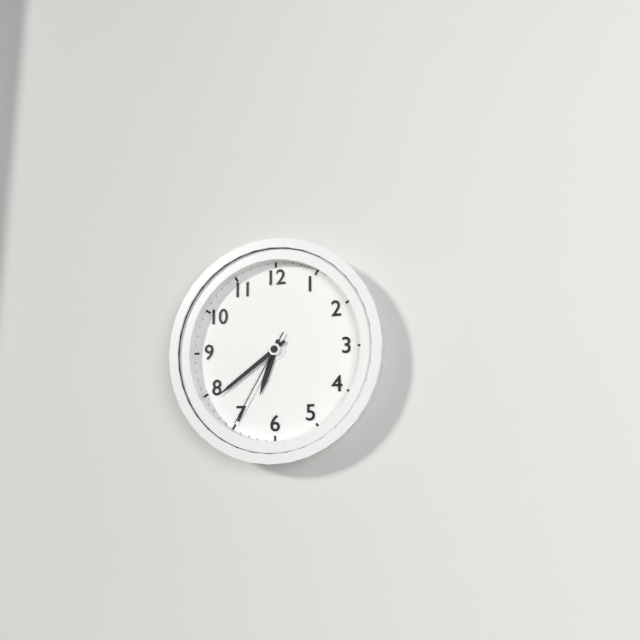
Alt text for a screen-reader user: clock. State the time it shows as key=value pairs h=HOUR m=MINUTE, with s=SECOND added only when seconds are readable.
h=6 m=39 s=35
